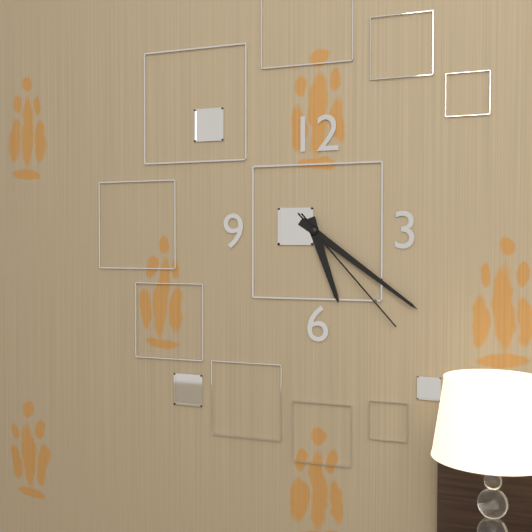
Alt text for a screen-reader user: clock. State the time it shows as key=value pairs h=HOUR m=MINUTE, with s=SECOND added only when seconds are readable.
h=5 m=21 s=23
